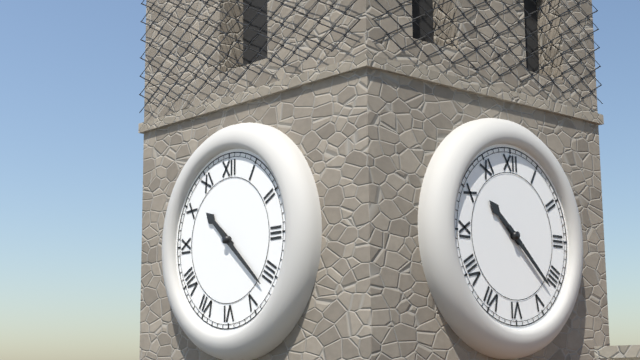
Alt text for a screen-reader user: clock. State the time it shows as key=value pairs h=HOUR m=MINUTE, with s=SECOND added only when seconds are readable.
h=10 m=22
